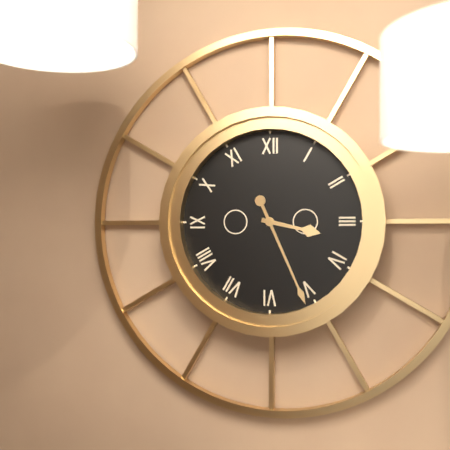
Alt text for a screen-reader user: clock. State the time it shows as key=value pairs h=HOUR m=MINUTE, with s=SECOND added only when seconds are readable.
h=3 m=26
